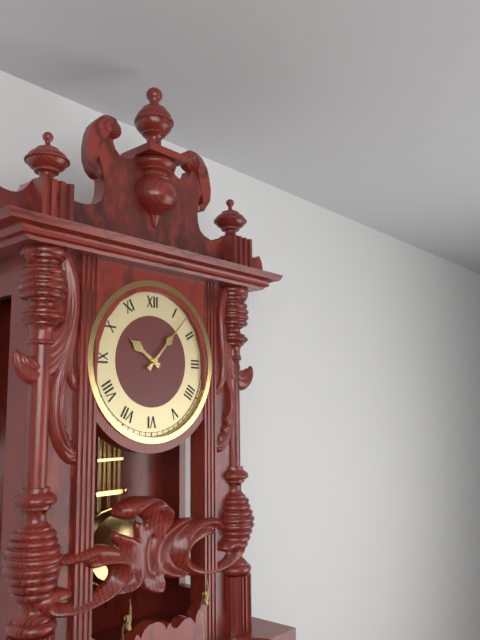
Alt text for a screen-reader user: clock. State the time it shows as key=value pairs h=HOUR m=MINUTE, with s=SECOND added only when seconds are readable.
h=10 m=7
